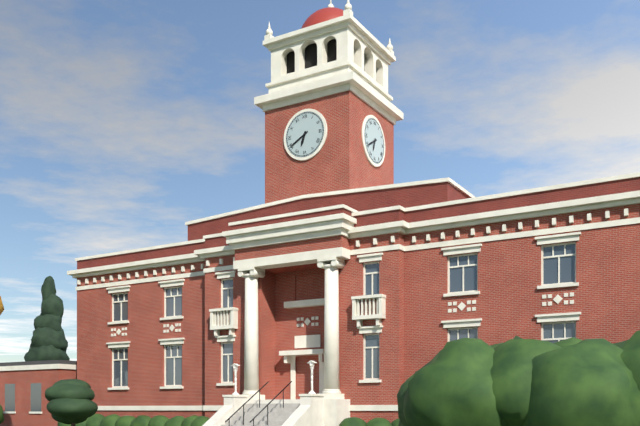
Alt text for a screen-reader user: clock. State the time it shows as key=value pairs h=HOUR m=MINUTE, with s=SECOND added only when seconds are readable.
h=6 m=40
